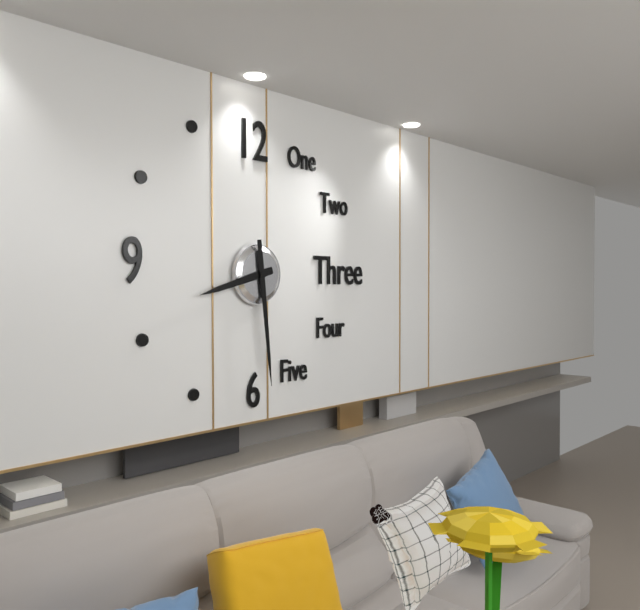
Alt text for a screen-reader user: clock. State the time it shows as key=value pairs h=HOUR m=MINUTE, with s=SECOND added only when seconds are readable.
h=8 m=29
